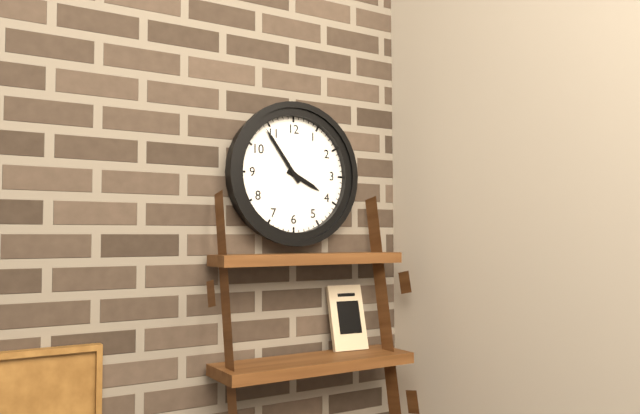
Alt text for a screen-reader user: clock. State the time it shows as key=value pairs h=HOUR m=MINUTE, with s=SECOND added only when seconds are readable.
h=3 m=54
